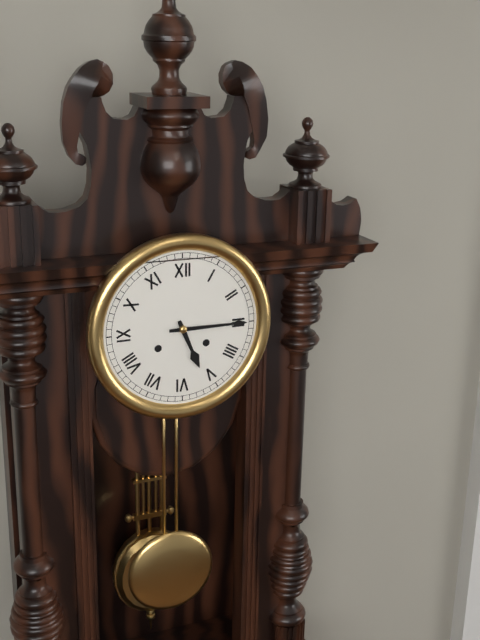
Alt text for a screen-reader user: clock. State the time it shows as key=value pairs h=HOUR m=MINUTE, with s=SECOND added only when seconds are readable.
h=5 m=15
